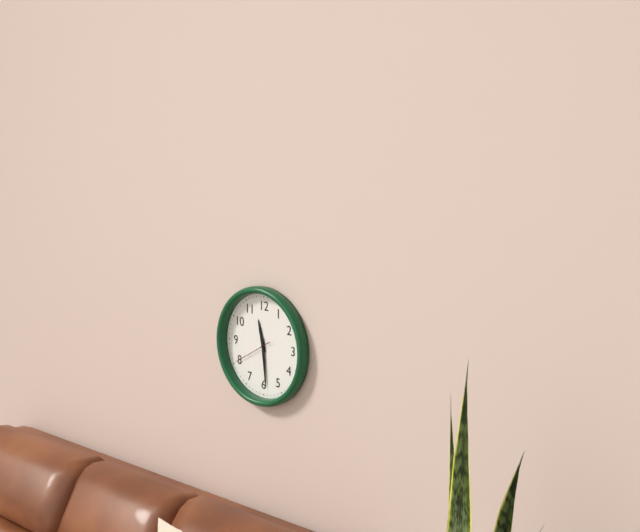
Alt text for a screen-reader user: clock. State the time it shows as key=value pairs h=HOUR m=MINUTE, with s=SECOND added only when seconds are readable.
h=11 m=29
